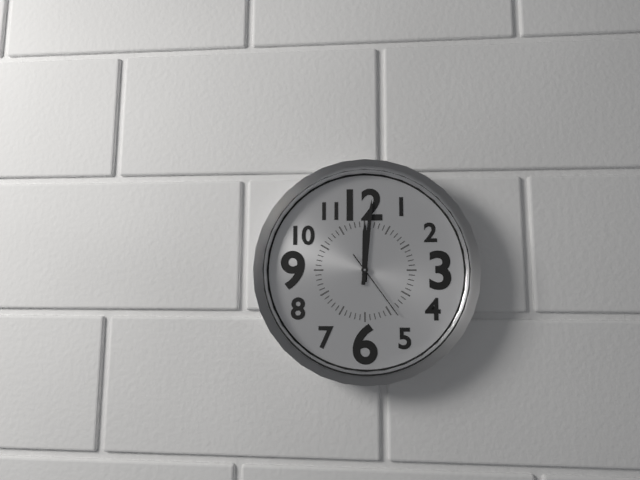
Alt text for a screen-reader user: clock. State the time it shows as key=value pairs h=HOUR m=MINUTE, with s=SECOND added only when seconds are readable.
h=12 m=1 s=24
